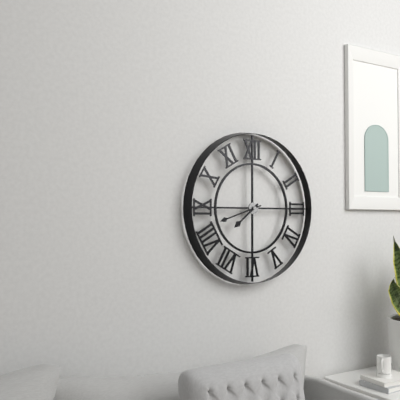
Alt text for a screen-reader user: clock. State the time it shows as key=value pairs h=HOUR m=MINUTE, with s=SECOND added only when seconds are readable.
h=7 m=42
